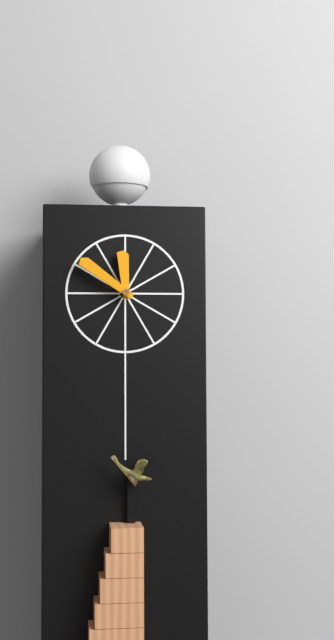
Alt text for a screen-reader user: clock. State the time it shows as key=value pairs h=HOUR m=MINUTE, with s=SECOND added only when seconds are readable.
h=11 m=51
